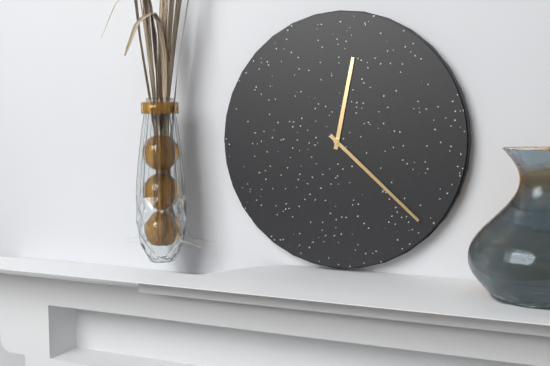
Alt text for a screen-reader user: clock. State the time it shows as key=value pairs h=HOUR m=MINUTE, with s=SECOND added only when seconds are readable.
h=12 m=22
